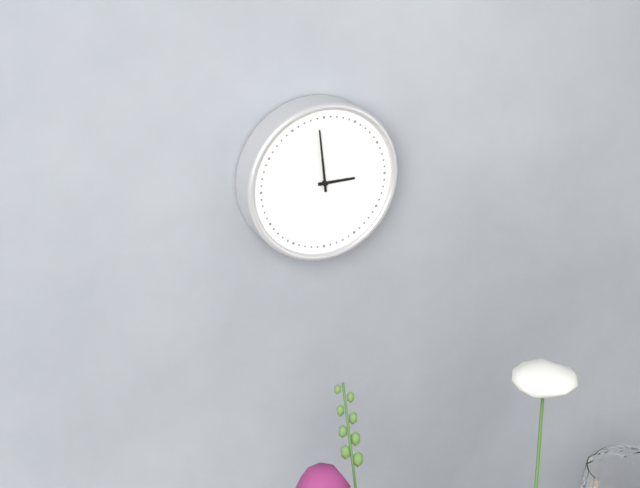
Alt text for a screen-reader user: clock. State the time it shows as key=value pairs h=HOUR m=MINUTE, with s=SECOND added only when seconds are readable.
h=2 m=59
